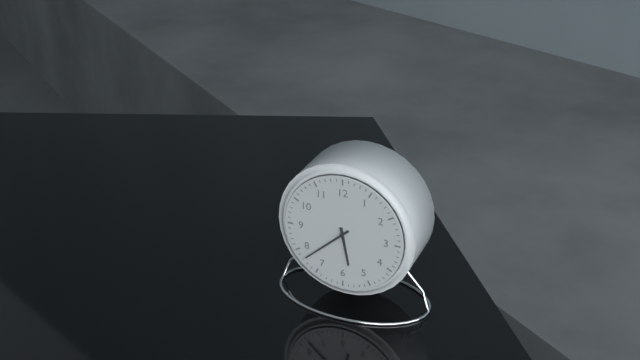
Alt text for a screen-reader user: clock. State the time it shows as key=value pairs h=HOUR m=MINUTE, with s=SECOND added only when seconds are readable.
h=5 m=38
